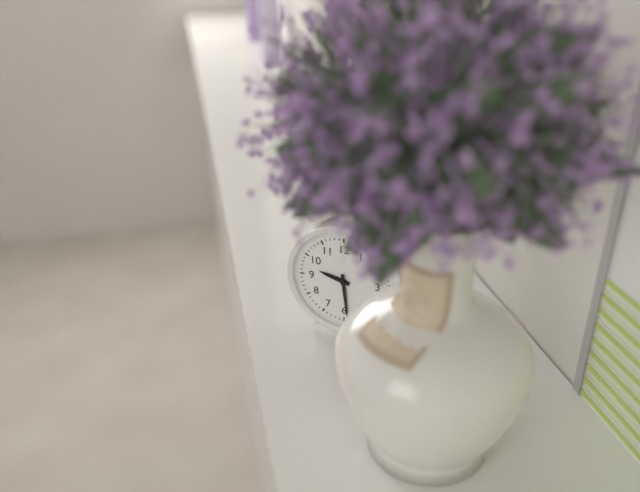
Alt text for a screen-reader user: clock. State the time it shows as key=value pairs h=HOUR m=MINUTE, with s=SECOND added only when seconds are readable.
h=9 m=29
